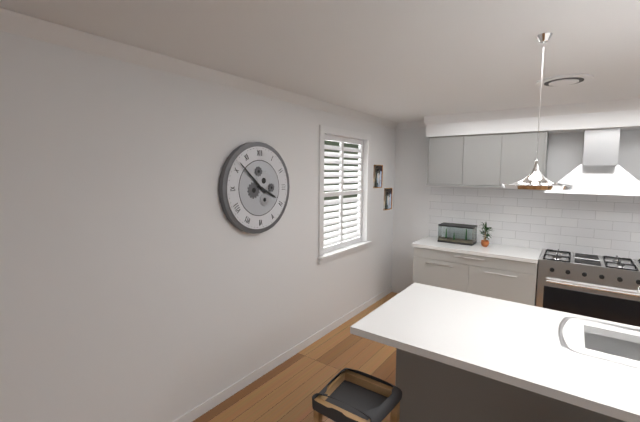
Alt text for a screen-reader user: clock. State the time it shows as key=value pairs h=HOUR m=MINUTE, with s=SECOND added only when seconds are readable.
h=3 m=52
